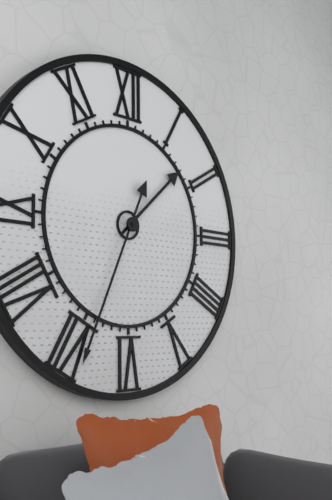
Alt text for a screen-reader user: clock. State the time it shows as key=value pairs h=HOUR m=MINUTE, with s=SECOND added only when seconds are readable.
h=1 m=34
